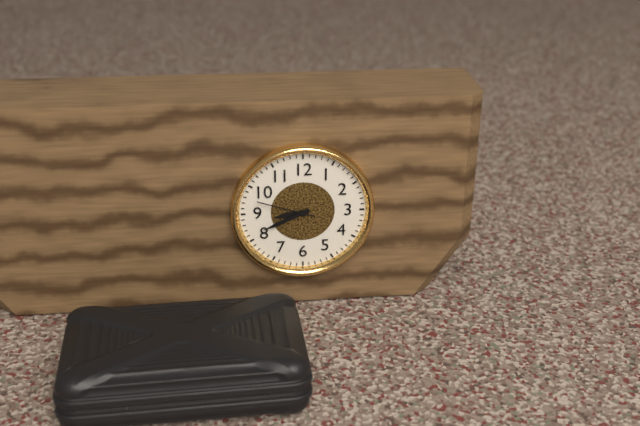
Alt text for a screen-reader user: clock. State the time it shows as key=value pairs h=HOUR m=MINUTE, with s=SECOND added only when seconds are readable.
h=8 m=41 s=48
